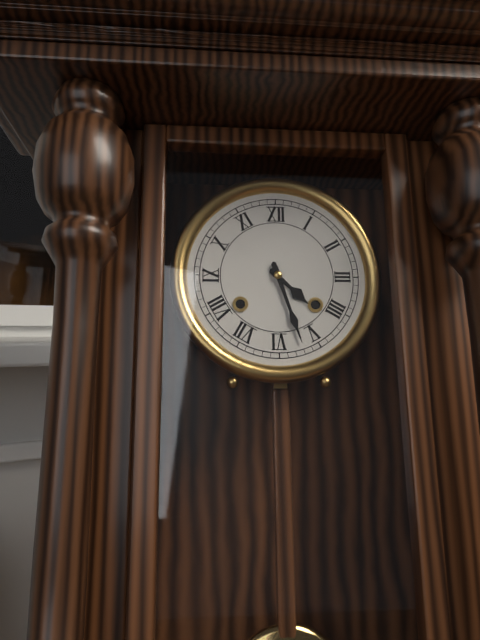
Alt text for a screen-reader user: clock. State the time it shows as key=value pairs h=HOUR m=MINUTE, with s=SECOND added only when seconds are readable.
h=4 m=27
